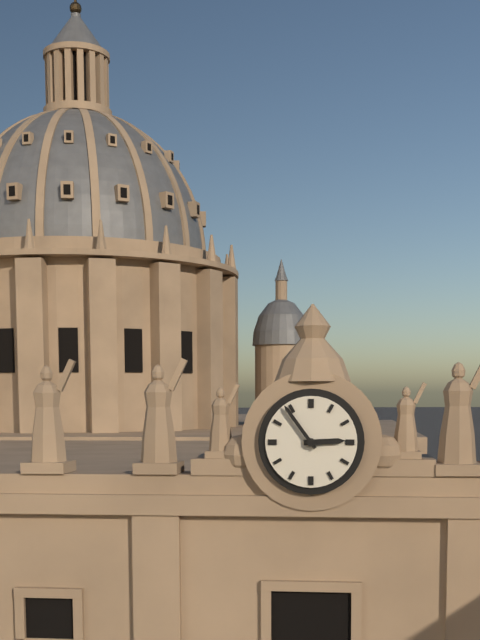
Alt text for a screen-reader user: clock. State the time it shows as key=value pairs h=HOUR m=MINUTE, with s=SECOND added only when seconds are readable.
h=2 m=54
